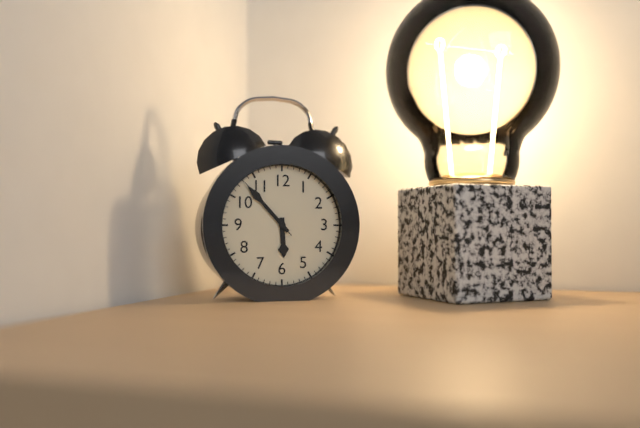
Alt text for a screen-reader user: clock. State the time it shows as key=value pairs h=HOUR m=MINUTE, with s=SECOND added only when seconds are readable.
h=5 m=53 s=53
